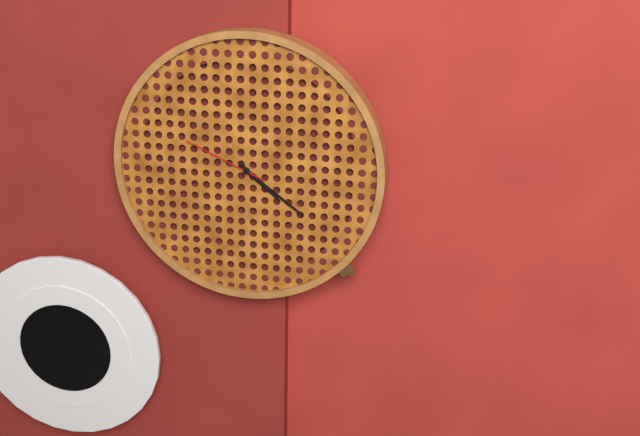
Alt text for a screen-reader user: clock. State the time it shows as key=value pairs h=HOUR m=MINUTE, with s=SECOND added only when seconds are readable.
h=4 m=21 s=49
